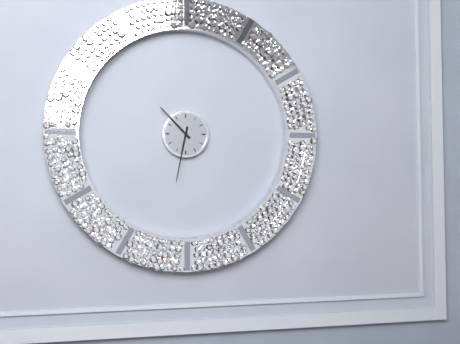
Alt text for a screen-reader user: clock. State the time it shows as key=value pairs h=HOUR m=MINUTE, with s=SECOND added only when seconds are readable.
h=10 m=32
